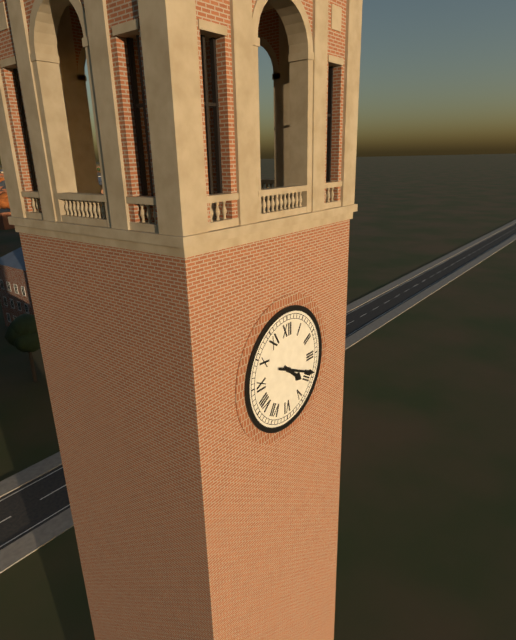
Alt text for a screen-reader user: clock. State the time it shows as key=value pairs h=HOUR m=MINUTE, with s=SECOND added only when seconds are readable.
h=4 m=19
